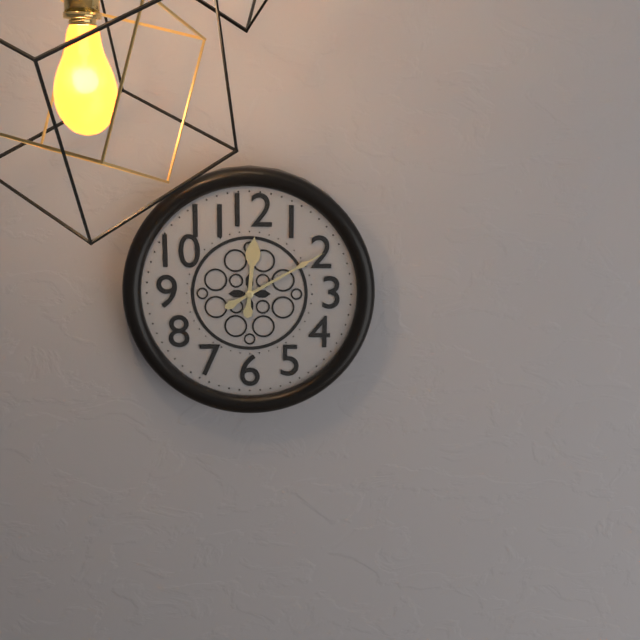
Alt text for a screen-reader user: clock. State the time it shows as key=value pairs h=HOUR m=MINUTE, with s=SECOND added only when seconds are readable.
h=12 m=10
